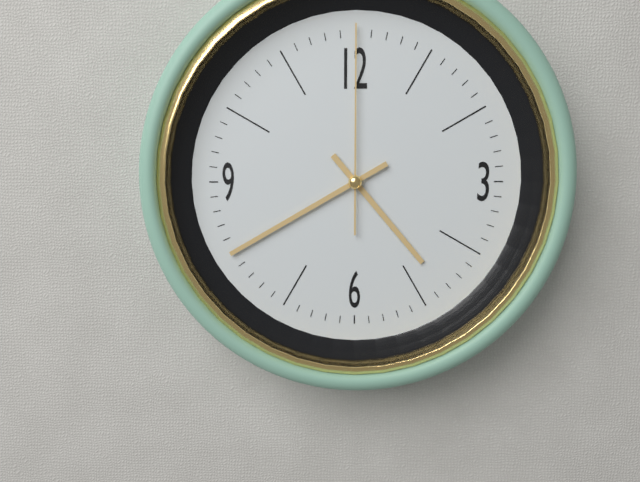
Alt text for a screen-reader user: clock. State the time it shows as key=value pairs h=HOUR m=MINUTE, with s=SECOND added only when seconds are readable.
h=4 m=40 s=0
